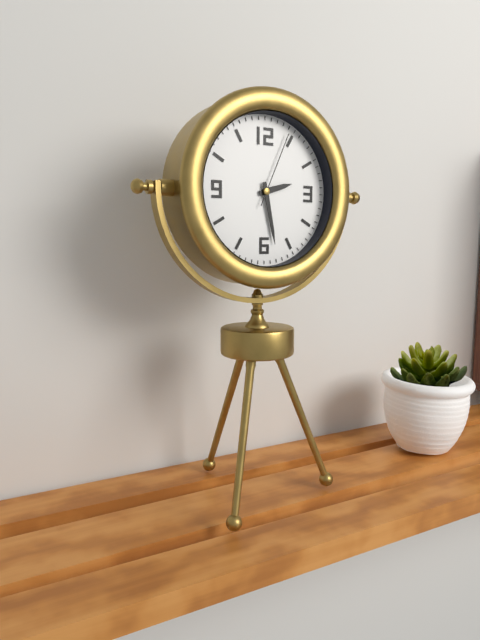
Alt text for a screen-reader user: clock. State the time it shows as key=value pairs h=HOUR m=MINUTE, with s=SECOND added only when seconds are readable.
h=2 m=28 s=4
